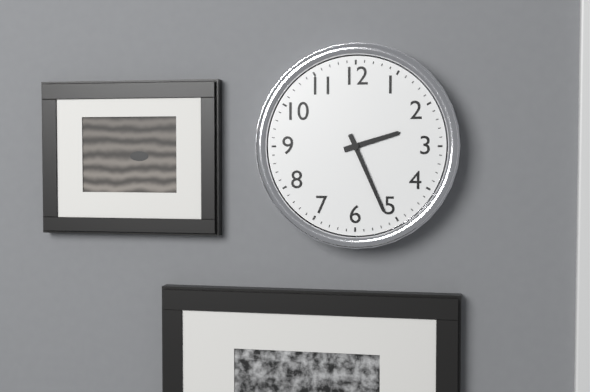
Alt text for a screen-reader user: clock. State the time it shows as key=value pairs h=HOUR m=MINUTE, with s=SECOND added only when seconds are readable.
h=2 m=26
